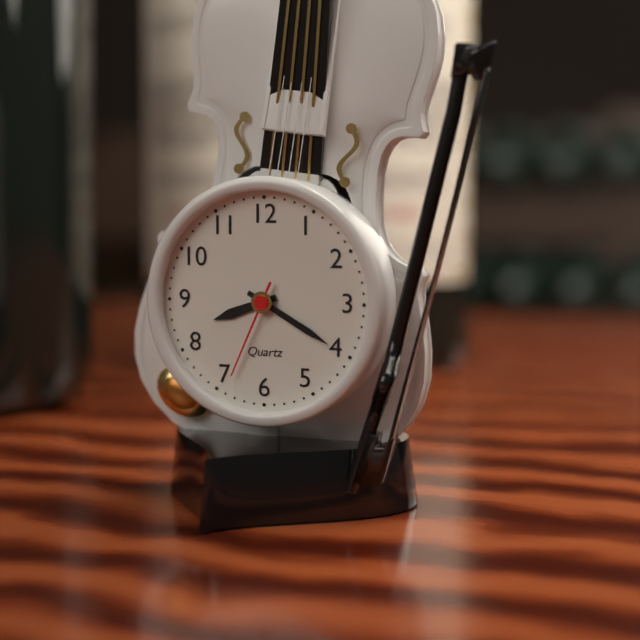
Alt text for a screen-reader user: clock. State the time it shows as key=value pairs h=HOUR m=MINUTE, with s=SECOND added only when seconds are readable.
h=8 m=20 s=34
